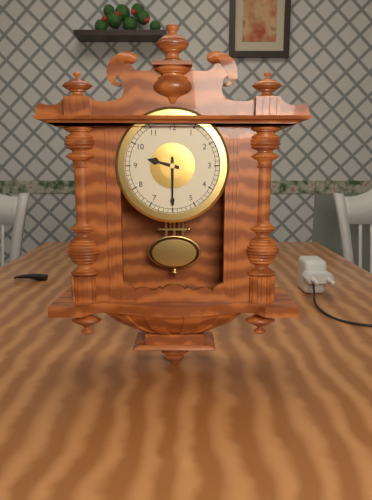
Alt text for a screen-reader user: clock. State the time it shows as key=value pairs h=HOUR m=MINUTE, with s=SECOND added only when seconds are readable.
h=9 m=30
